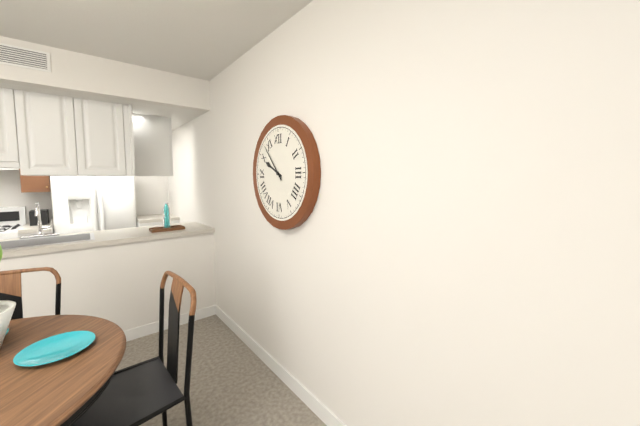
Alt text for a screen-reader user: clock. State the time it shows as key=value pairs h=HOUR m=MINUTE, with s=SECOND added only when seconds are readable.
h=9 m=53
